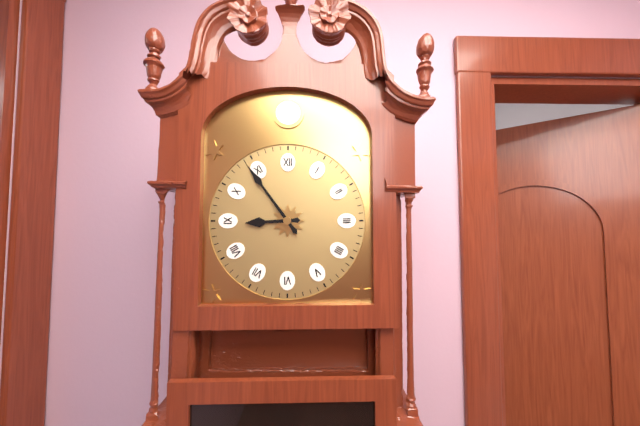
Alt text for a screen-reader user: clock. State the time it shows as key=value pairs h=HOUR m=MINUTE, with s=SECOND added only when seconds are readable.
h=8 m=54
